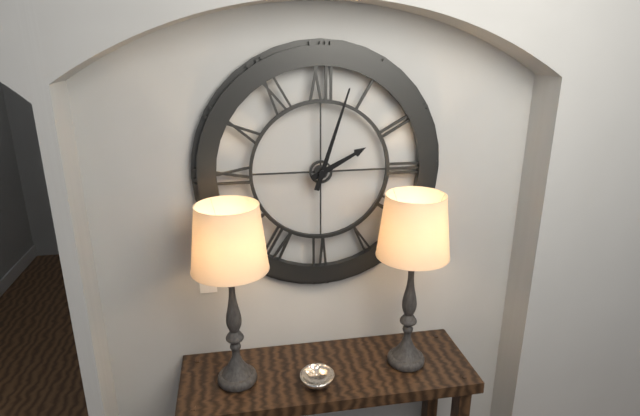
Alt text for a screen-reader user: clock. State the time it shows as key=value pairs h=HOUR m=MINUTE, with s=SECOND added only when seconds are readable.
h=2 m=3
